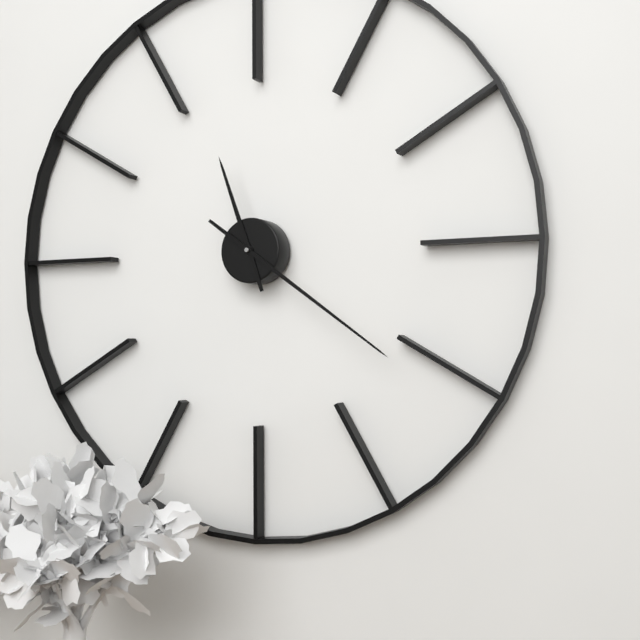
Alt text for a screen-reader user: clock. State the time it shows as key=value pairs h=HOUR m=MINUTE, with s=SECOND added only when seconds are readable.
h=11 m=21
